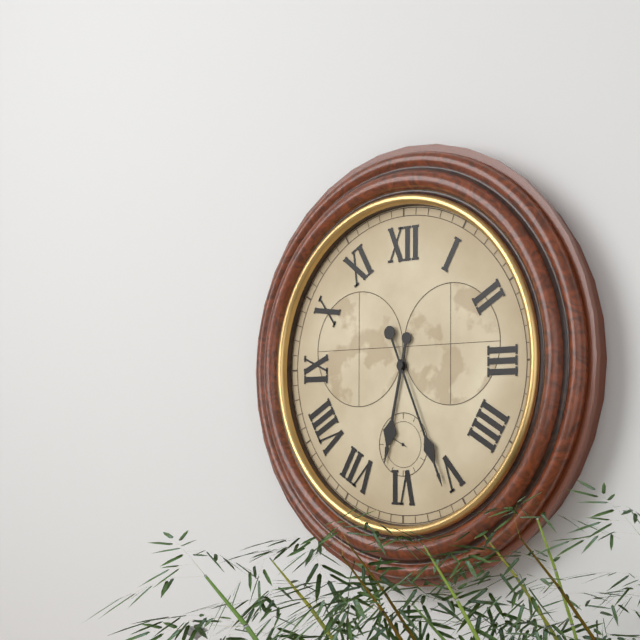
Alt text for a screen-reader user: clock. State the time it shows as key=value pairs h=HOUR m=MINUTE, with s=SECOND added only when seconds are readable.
h=6 m=26
